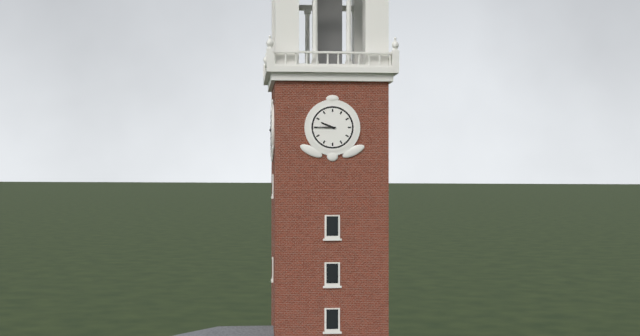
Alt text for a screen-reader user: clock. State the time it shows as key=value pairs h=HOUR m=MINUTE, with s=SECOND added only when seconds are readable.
h=9 m=45
